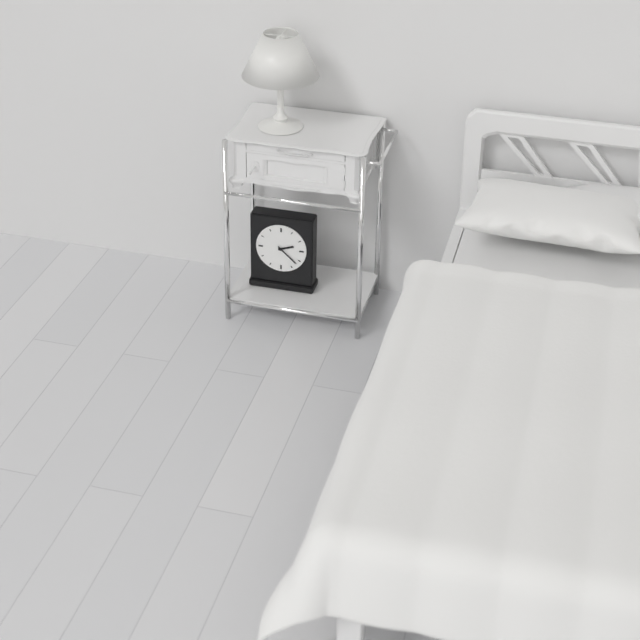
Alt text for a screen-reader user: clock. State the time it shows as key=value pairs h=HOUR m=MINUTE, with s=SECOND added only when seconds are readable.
h=2 m=22
